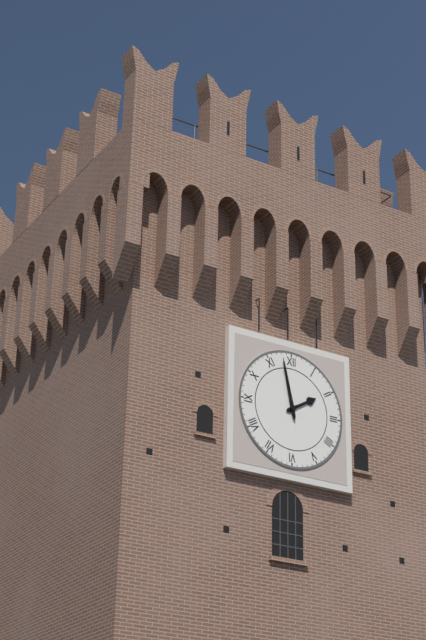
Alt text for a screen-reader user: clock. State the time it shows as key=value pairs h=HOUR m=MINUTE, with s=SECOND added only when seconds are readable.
h=1 m=58
